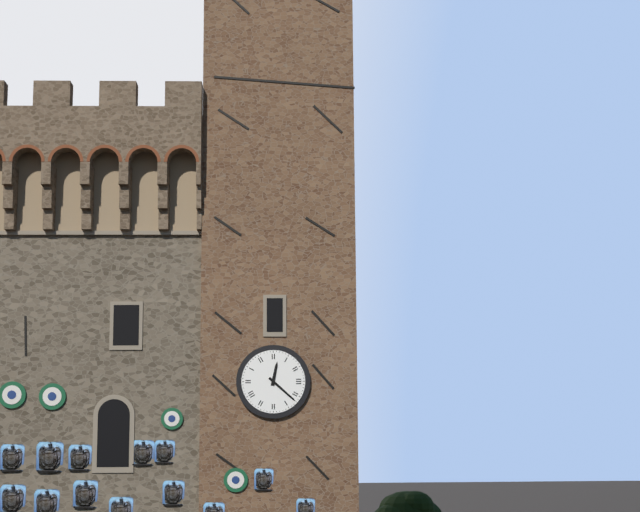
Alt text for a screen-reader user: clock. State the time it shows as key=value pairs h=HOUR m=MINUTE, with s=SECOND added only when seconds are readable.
h=12 m=22
